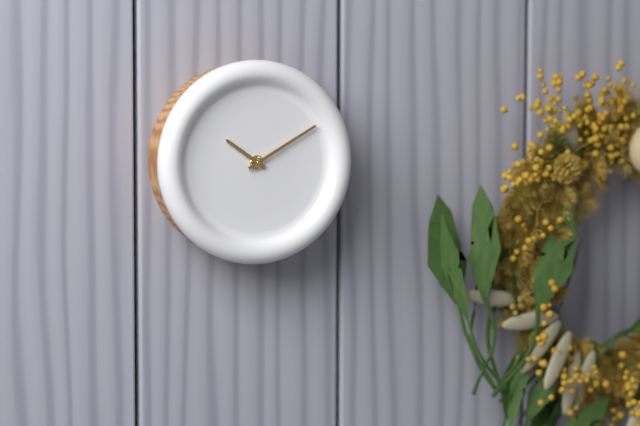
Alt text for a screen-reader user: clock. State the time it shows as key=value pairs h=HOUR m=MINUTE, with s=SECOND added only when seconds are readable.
h=10 m=10
